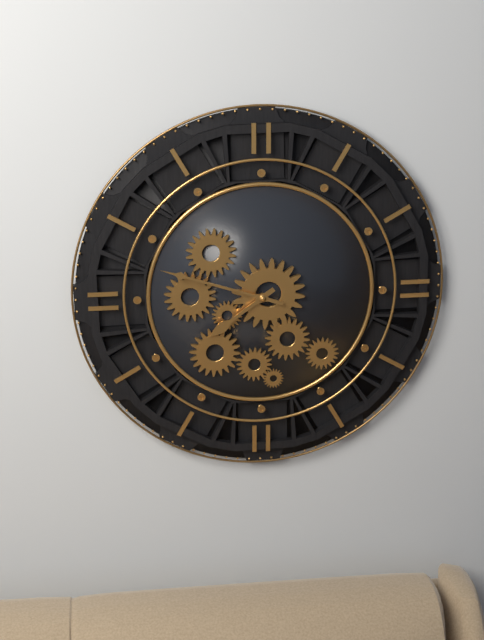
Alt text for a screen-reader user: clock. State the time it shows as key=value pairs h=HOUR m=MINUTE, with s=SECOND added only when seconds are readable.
h=7 m=48
